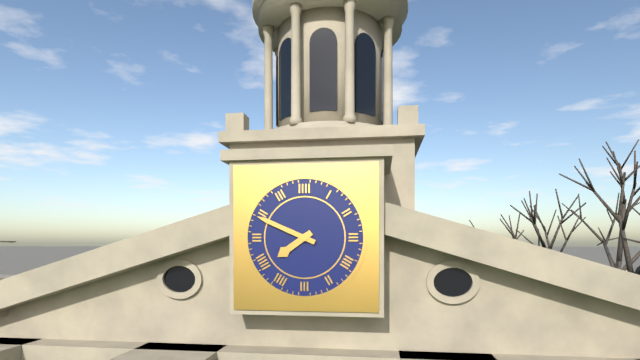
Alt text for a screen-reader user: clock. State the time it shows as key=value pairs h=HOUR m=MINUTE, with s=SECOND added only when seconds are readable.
h=7 m=49
